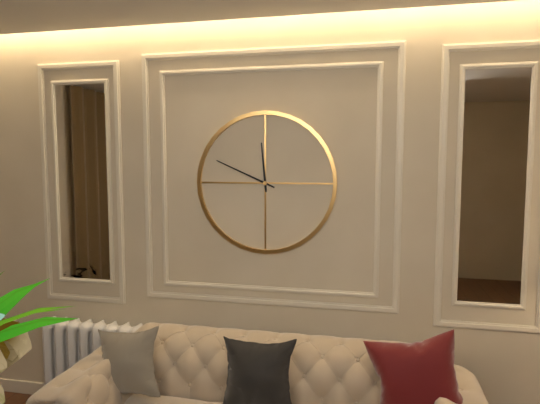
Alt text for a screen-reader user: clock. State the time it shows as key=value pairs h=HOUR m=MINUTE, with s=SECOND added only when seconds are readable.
h=11 m=49
